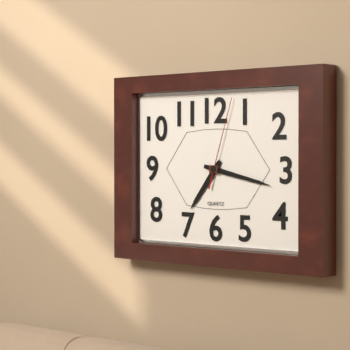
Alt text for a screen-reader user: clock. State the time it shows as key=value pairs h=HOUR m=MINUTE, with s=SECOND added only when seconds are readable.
h=7 m=17 s=3
